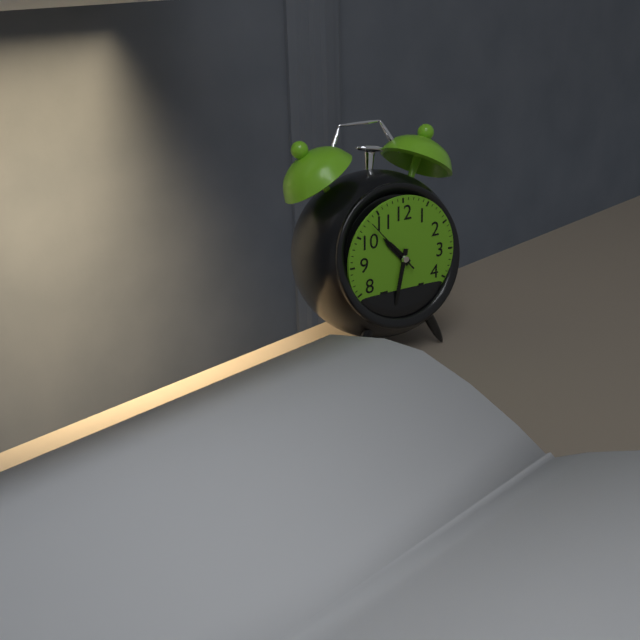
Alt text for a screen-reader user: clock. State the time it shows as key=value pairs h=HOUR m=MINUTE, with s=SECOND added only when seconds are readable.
h=10 m=32 s=53
